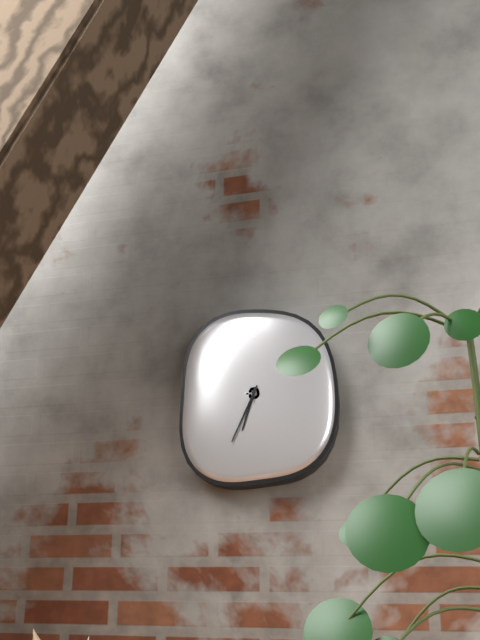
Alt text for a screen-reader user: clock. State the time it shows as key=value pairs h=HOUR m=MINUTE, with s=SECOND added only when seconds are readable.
h=6 m=34
